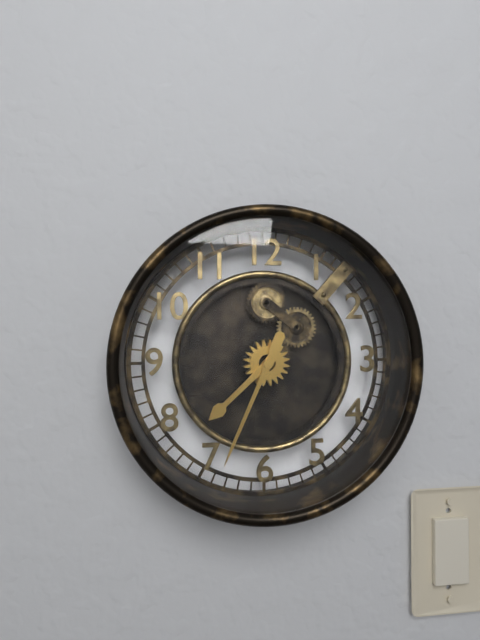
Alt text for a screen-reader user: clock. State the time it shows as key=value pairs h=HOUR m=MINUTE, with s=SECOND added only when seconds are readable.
h=7 m=34
